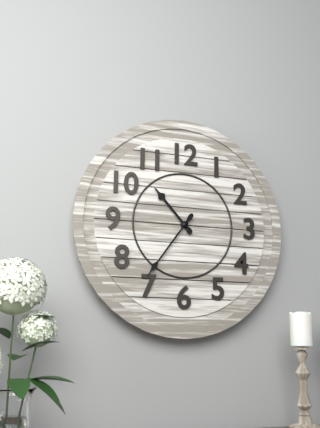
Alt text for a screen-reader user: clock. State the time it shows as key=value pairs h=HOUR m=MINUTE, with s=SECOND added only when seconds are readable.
h=10 m=36
